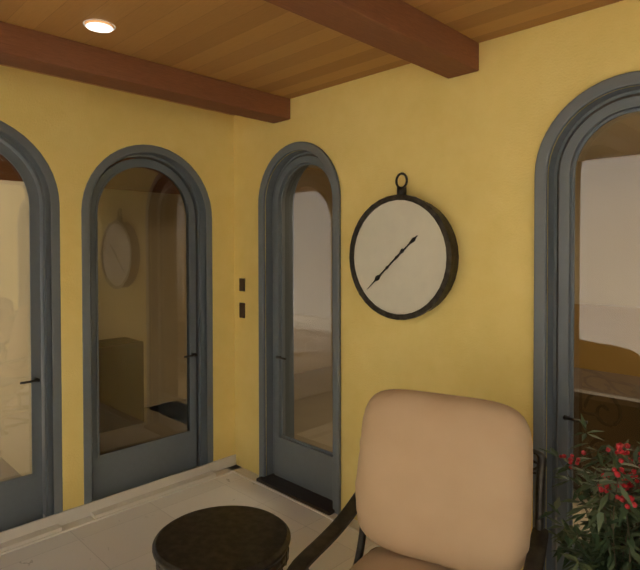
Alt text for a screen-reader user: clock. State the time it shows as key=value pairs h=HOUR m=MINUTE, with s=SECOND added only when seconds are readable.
h=1 m=38
